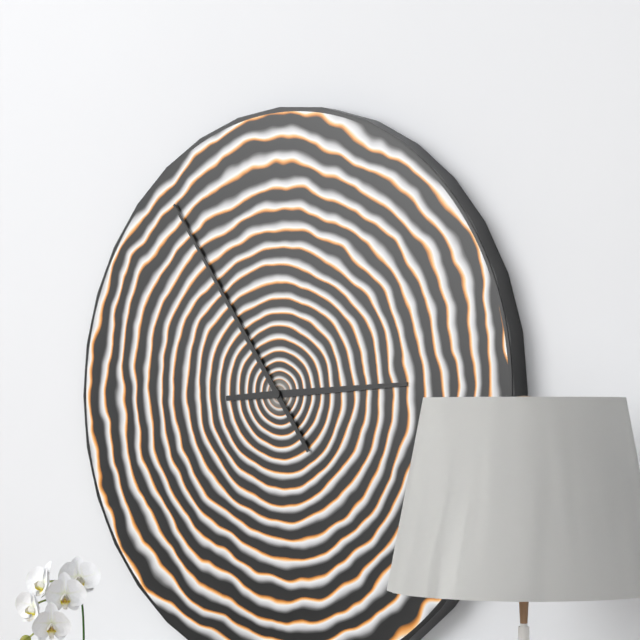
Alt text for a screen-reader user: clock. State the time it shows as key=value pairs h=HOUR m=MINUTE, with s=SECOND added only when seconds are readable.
h=2 m=54
